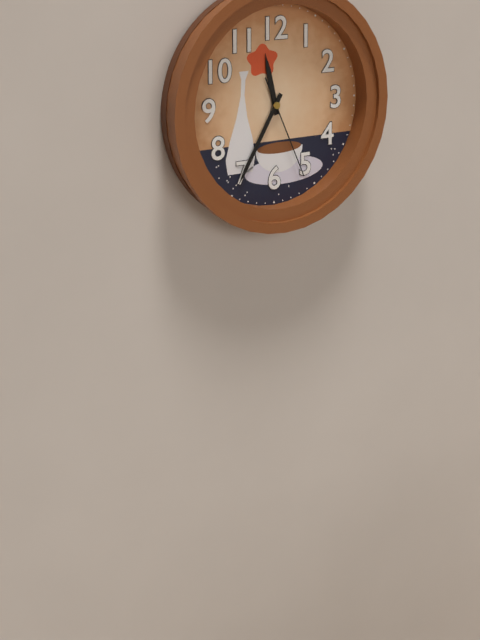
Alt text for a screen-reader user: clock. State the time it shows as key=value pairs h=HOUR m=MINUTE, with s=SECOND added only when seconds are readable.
h=11 m=35 s=26
